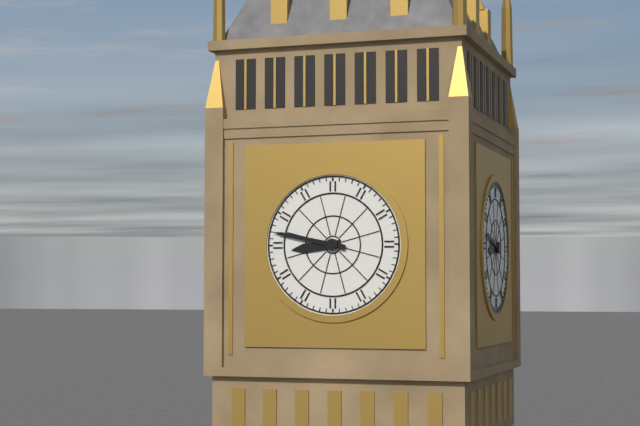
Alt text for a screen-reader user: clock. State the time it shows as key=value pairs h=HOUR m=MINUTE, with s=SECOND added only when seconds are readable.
h=8 m=47
